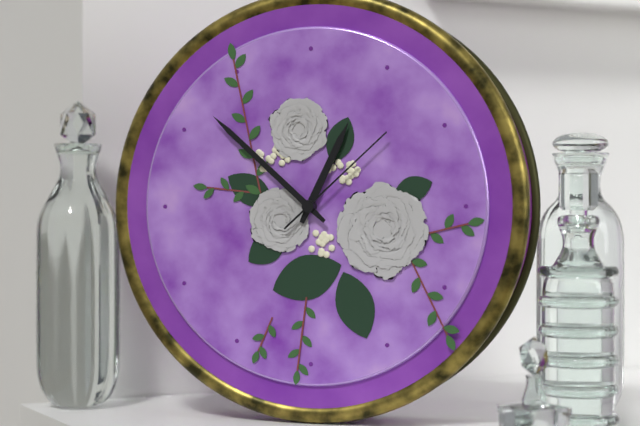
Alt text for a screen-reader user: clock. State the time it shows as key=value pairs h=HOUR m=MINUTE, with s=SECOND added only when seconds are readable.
h=12 m=52 s=8
